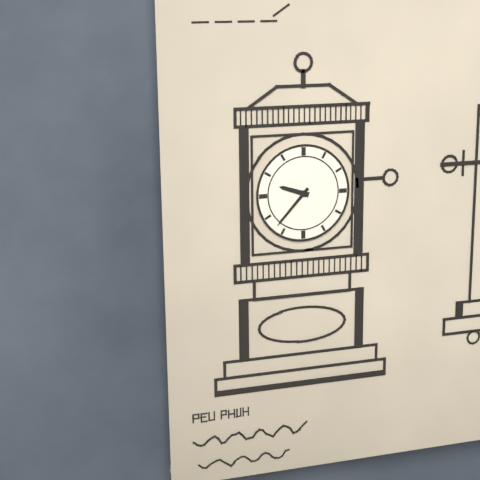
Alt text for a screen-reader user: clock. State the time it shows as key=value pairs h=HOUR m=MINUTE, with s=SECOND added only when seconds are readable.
h=9 m=37
